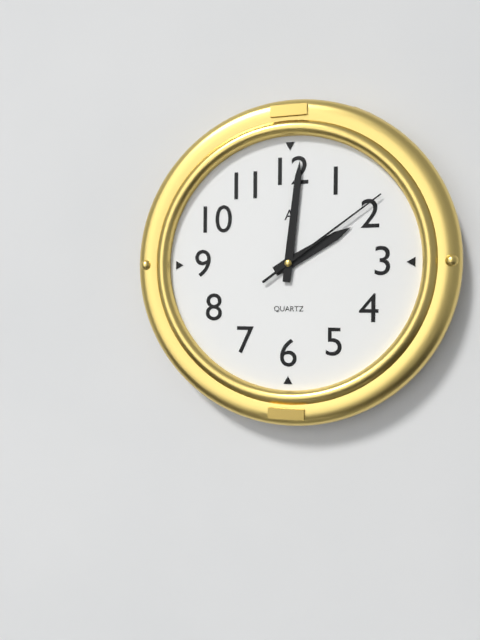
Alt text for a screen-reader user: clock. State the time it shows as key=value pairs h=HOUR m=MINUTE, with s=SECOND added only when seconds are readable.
h=2 m=1 s=9
